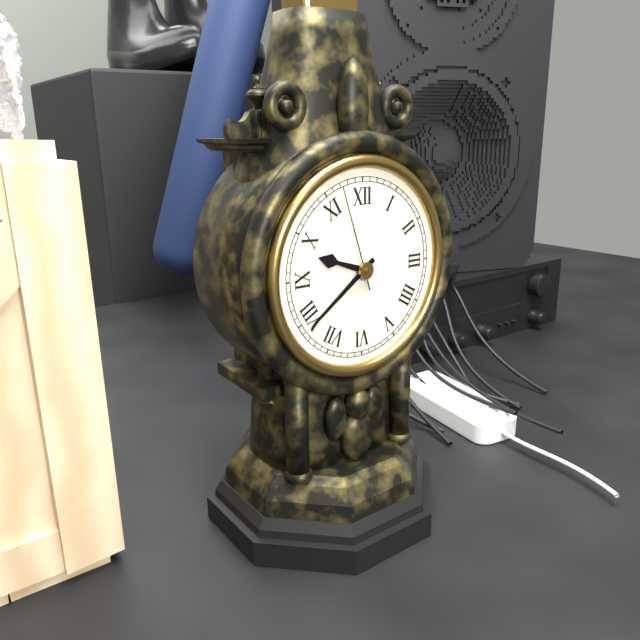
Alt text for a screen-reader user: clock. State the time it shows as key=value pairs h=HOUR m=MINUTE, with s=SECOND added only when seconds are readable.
h=9 m=39 s=57
